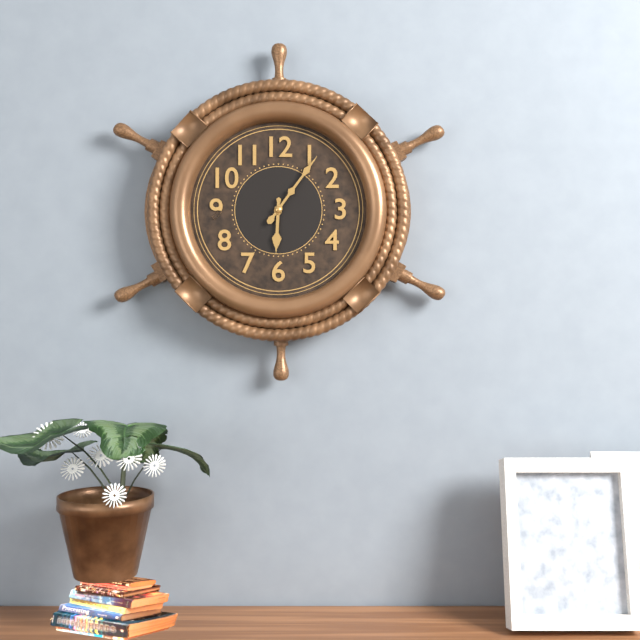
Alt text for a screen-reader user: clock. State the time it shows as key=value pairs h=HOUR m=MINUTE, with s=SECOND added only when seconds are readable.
h=6 m=6
